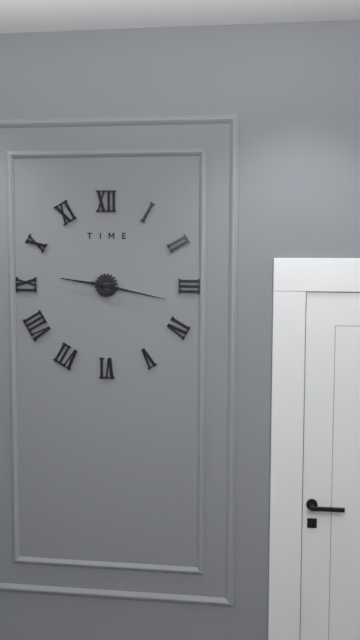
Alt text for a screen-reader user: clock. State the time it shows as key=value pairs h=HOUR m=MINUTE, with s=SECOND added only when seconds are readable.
h=9 m=17
